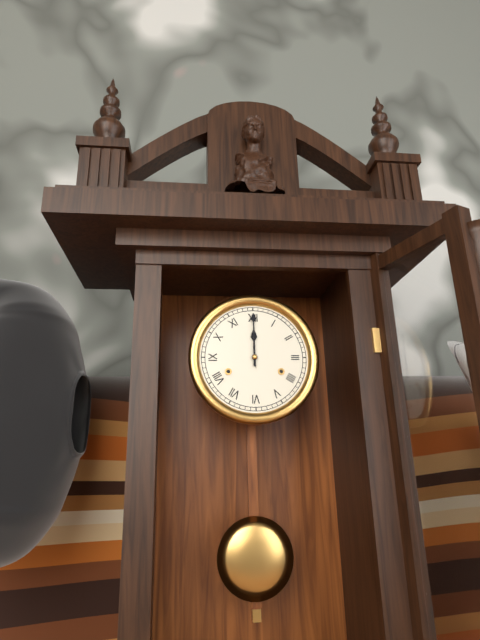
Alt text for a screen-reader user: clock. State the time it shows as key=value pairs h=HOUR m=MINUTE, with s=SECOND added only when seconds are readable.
h=12 m=0
